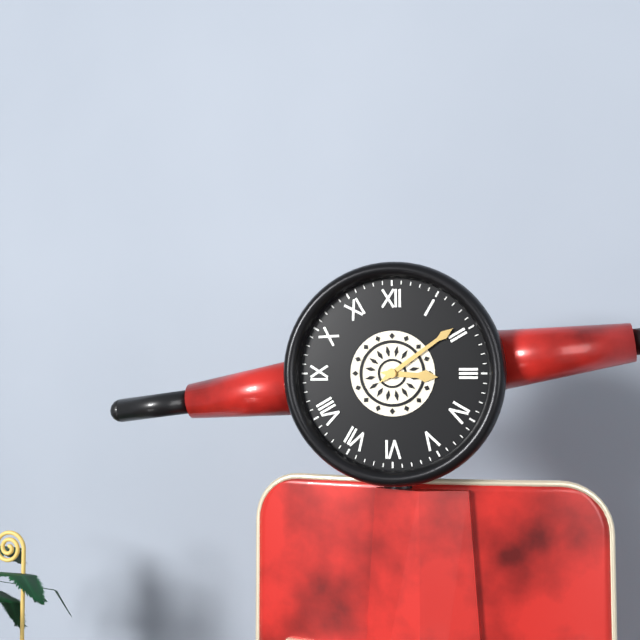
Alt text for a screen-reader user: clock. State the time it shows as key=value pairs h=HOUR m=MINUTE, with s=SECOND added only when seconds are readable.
h=3 m=9
